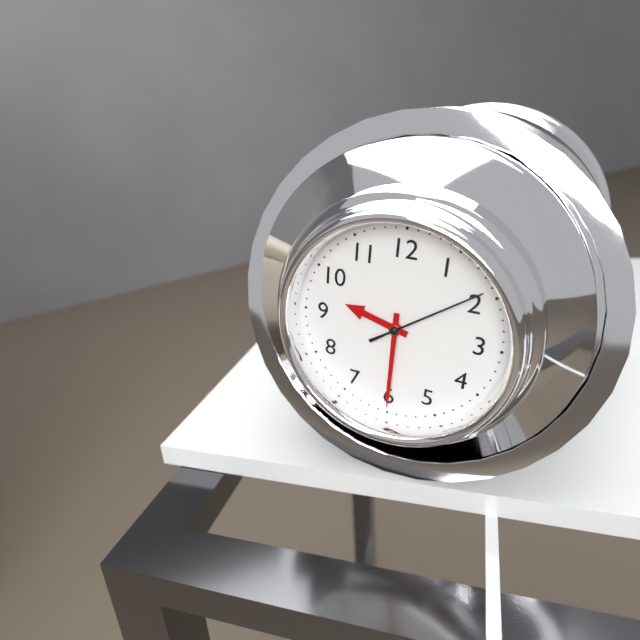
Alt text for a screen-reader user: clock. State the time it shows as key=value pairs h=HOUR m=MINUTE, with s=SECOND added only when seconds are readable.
h=9 m=30 s=9
